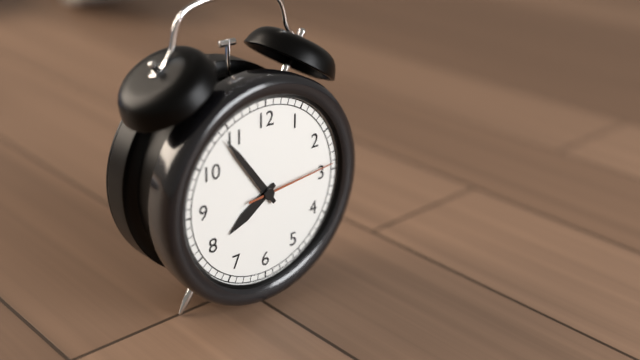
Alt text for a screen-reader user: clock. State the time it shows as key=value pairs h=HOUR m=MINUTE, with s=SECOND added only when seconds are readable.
h=7 m=54 s=14
